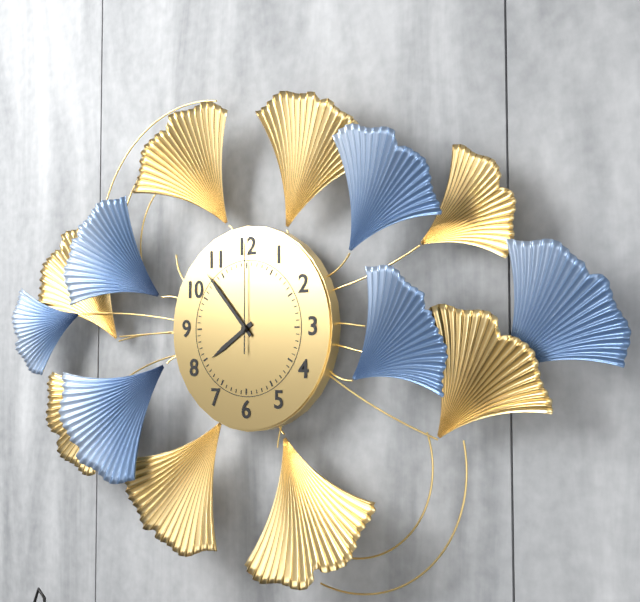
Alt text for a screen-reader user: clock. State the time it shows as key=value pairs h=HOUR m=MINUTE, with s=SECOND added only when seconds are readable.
h=7 m=53 s=0
